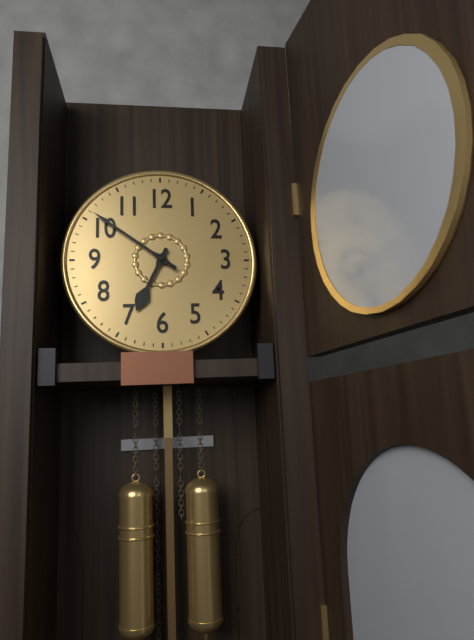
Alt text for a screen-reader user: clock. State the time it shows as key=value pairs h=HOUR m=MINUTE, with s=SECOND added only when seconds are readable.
h=6 m=51
